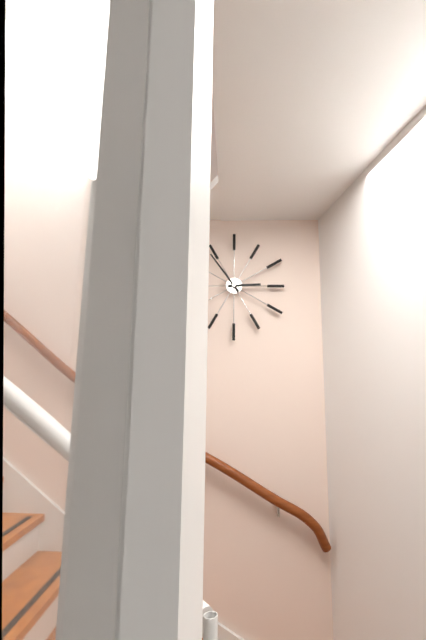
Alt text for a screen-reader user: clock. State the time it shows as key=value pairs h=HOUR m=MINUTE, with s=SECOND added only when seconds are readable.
h=2 m=54
